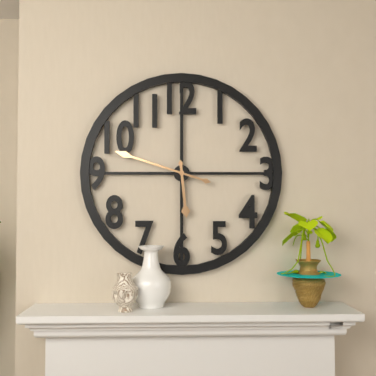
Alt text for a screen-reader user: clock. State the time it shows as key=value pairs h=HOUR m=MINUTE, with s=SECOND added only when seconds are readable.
h=5 m=48
